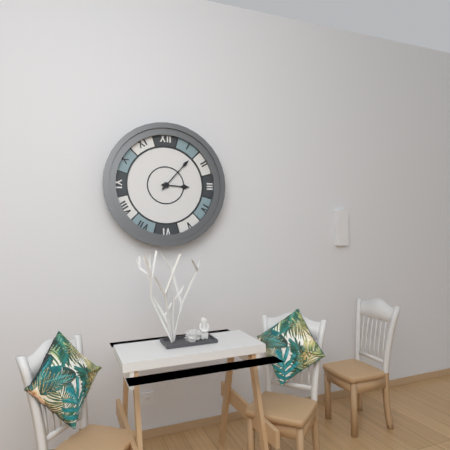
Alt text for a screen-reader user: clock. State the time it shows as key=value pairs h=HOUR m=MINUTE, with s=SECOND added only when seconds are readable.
h=3 m=7
